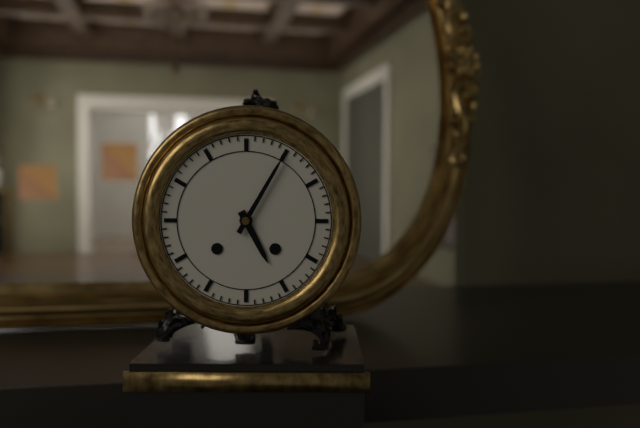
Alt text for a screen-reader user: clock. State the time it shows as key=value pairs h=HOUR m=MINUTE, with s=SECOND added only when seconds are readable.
h=5 m=5
